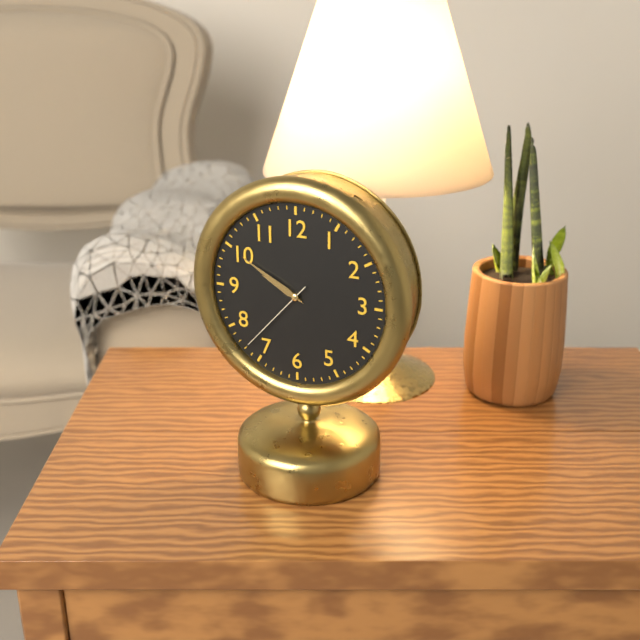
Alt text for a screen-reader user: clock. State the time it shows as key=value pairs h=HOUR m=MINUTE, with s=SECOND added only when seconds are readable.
h=9 m=50 s=37
